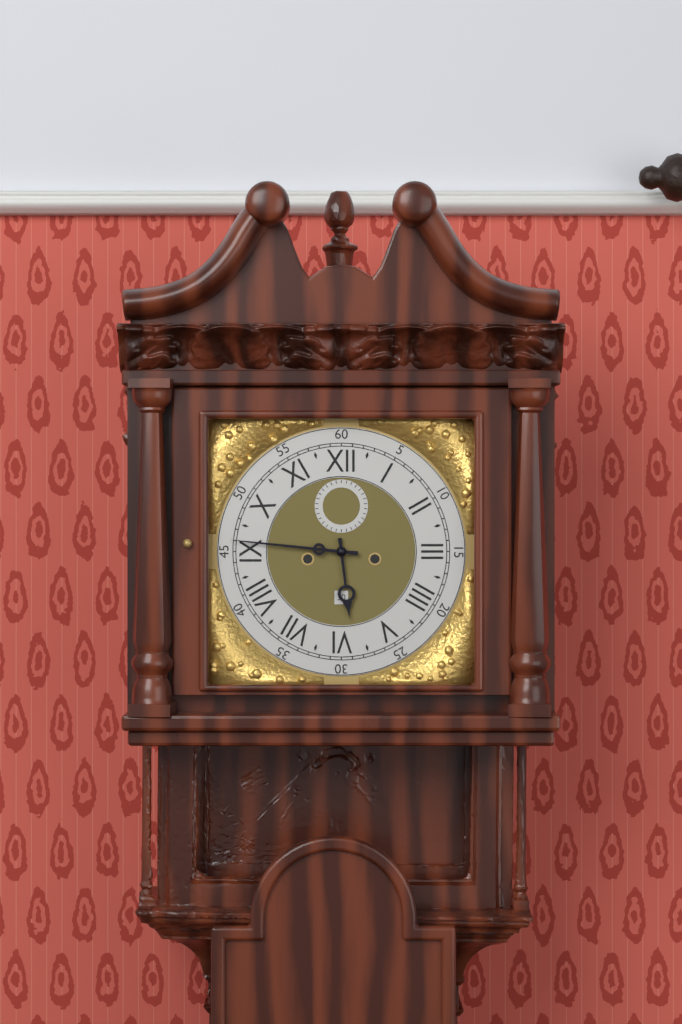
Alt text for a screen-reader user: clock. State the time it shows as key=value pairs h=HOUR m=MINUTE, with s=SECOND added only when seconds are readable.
h=5 m=46
